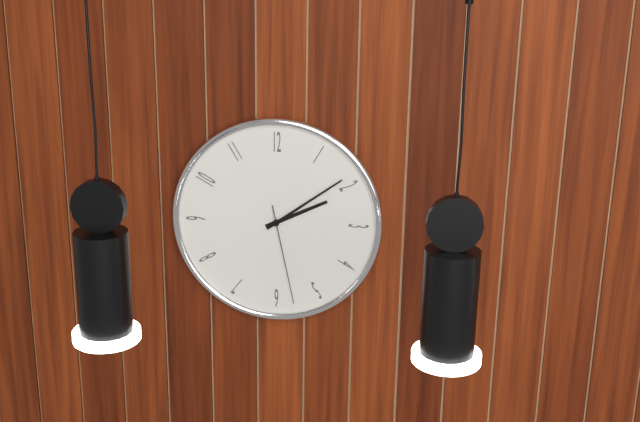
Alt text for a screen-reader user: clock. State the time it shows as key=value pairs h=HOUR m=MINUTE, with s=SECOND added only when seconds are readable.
h=2 m=9 s=28
